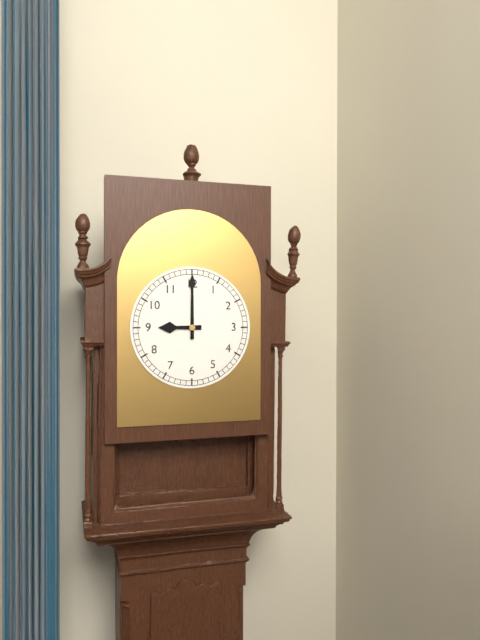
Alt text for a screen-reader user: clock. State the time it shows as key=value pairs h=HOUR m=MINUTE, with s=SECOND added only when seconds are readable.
h=9 m=0
